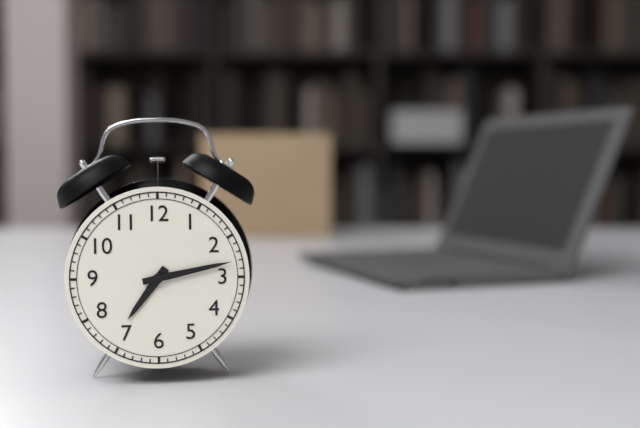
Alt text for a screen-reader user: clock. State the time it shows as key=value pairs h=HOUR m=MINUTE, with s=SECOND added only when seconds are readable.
h=7 m=13
